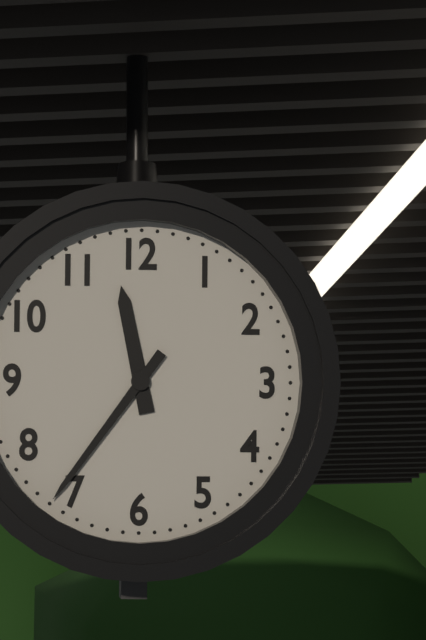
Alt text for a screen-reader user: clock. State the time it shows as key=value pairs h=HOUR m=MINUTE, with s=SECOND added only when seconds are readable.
h=11 m=36
